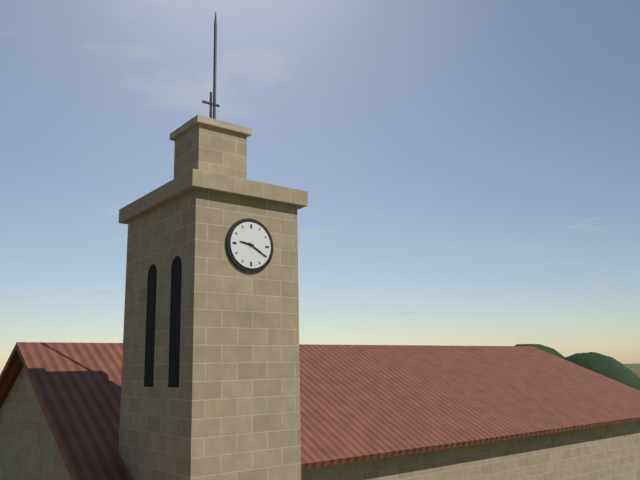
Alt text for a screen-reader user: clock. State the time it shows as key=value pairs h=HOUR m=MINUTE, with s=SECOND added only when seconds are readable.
h=9 m=20
